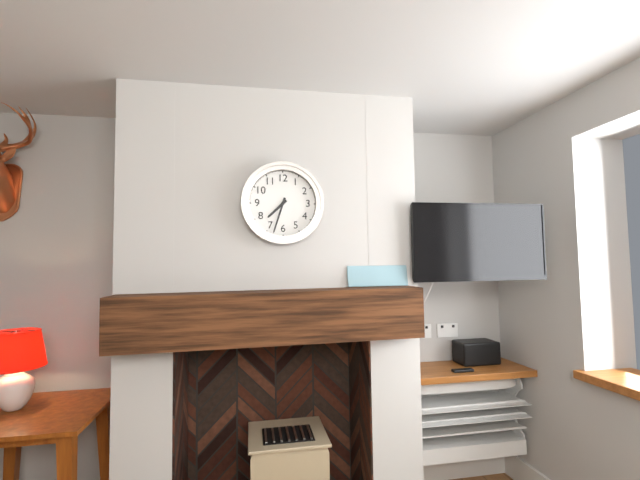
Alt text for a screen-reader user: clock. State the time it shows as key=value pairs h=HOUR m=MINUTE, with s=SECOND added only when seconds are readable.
h=7 m=33
